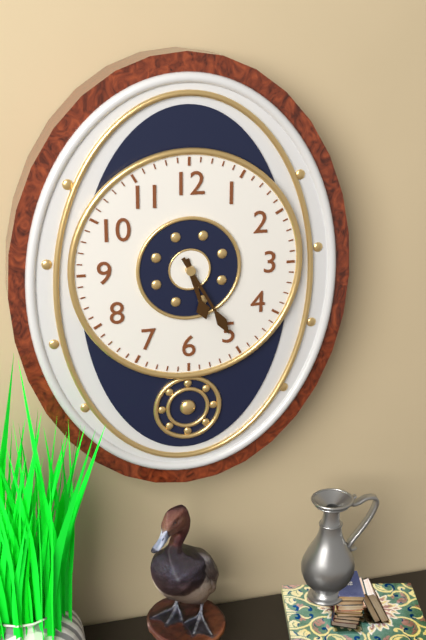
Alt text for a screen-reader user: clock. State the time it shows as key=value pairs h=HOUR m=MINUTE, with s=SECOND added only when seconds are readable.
h=5 m=25
